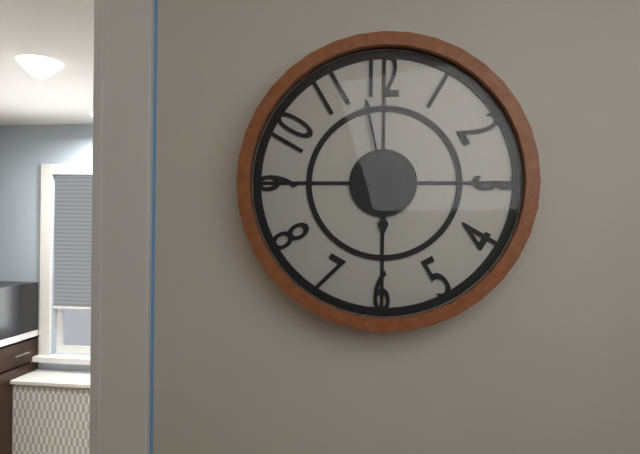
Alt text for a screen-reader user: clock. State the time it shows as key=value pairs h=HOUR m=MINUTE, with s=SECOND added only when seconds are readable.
h=5 m=58
